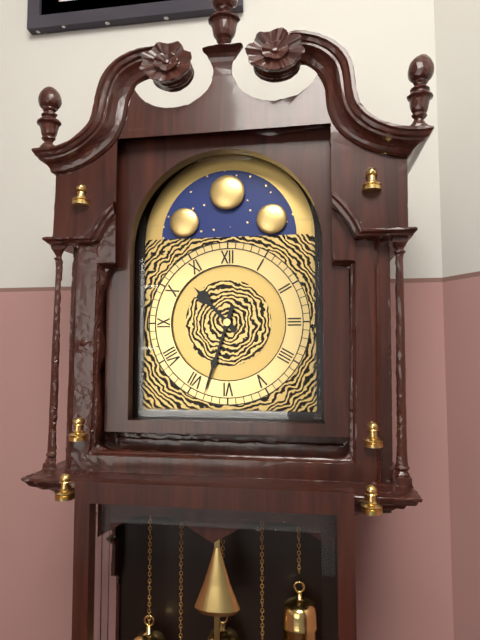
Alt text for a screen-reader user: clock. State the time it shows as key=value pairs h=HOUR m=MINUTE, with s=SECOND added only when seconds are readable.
h=10 m=33
